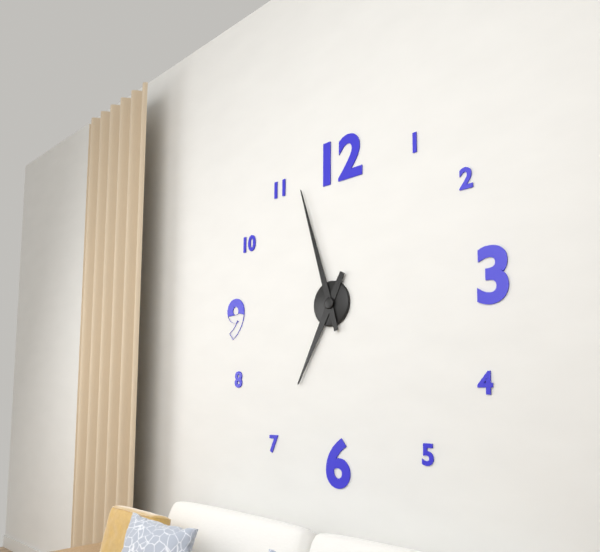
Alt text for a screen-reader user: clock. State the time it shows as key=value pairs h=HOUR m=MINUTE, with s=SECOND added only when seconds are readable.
h=6 m=57
